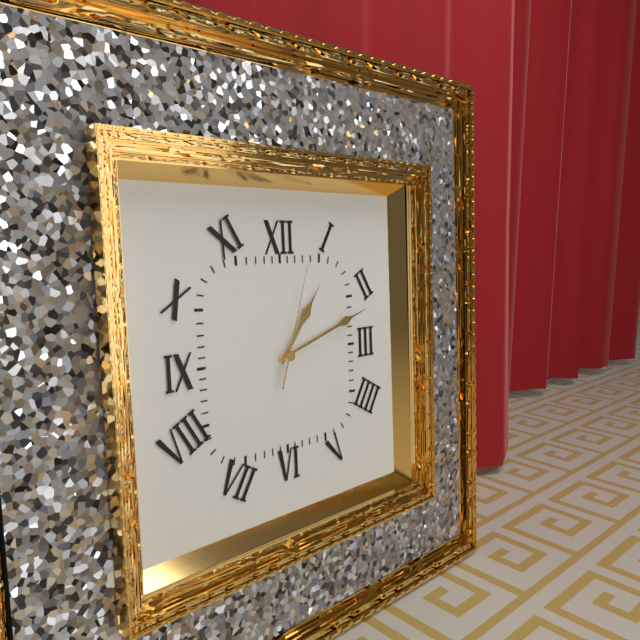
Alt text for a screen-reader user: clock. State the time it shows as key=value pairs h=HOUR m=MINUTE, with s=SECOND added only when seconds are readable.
h=1 m=12 s=3
